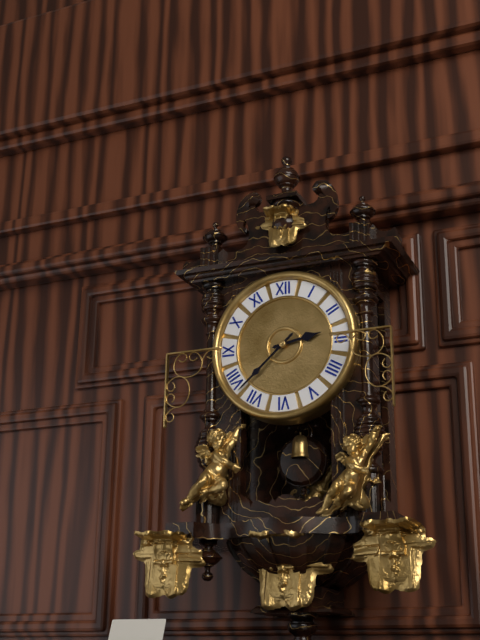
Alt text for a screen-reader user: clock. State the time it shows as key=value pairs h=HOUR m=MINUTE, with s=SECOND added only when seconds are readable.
h=2 m=38
